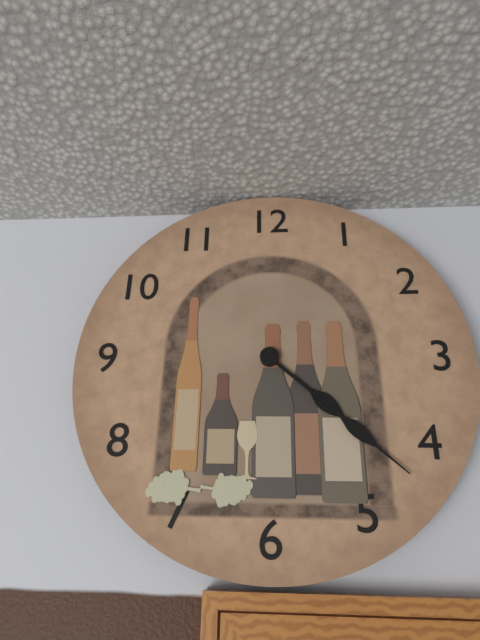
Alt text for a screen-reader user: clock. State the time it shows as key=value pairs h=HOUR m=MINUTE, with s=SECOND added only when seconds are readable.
h=4 m=22
